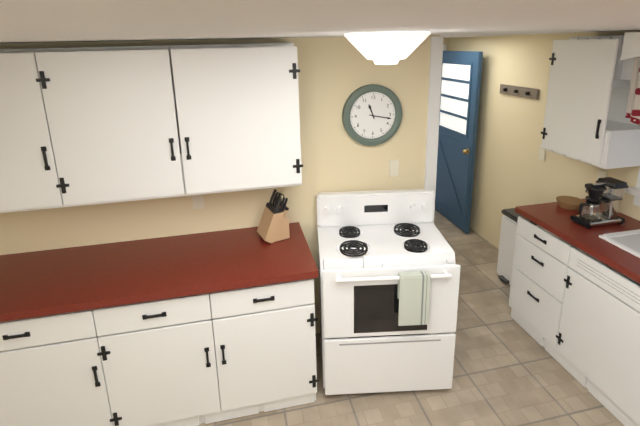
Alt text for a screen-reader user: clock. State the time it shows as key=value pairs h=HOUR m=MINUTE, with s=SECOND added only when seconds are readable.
h=11 m=17
